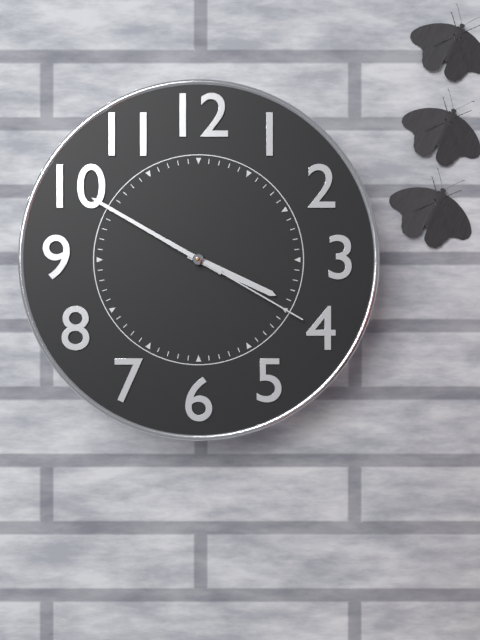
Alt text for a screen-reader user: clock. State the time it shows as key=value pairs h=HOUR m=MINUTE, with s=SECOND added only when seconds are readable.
h=3 m=50 s=20
